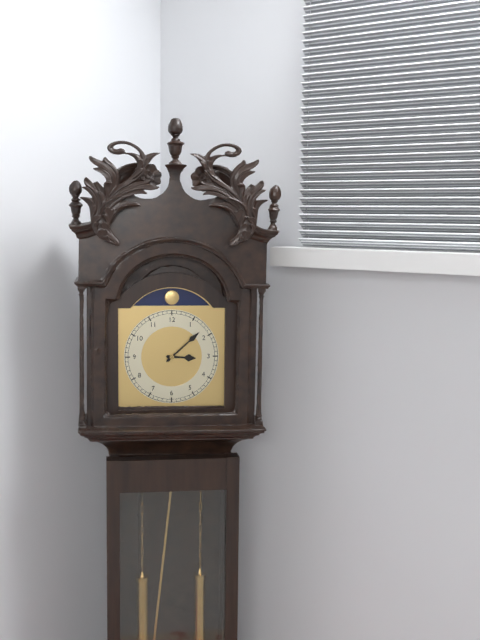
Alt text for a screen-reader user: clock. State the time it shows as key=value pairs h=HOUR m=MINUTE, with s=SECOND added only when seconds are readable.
h=3 m=8
